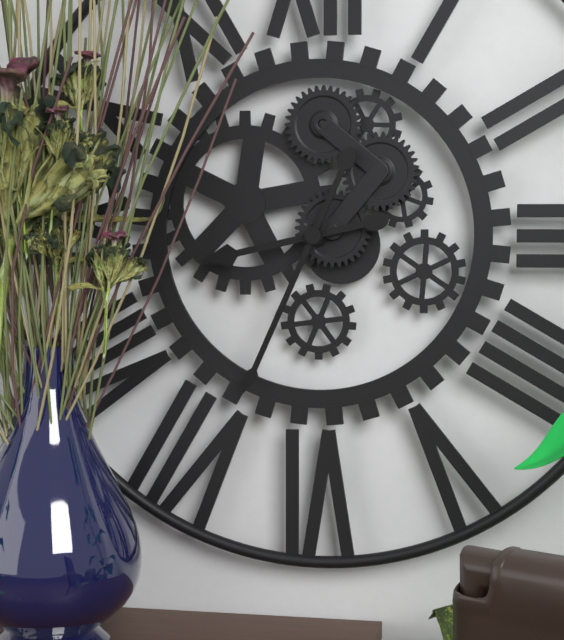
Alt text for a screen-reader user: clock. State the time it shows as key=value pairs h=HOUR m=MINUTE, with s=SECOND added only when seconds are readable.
h=8 m=34
